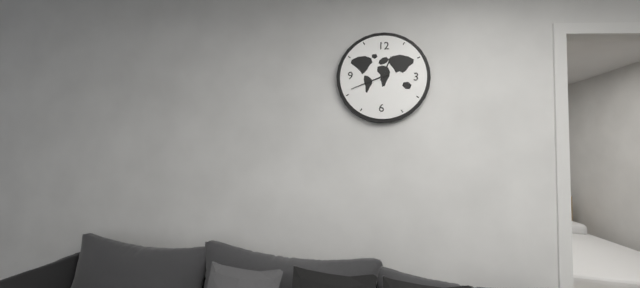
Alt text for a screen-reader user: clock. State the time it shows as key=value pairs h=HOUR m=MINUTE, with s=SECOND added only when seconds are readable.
h=12 m=41
